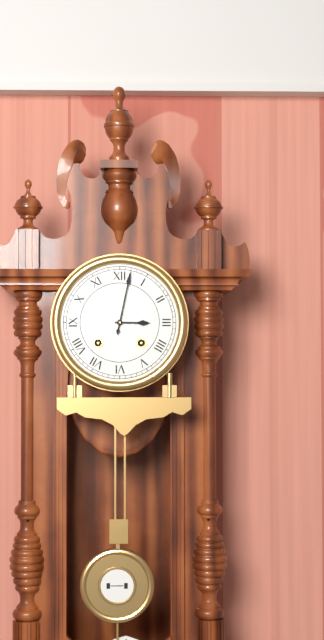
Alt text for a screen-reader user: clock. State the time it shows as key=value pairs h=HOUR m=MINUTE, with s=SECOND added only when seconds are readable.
h=3 m=2
